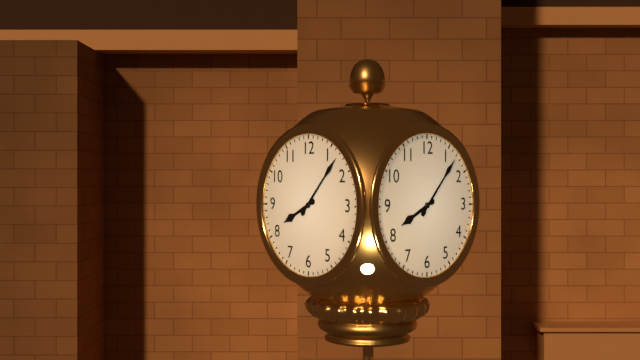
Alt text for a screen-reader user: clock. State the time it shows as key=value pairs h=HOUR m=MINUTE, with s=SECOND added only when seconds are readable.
h=8 m=7
